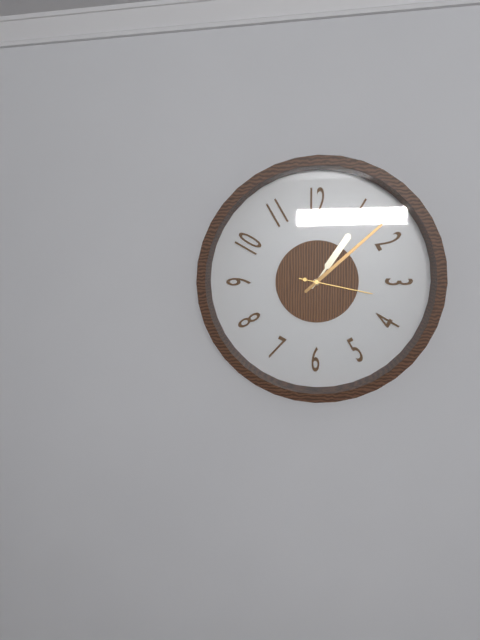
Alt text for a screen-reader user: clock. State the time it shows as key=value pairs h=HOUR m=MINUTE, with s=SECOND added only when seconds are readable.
h=1 m=8 s=17
